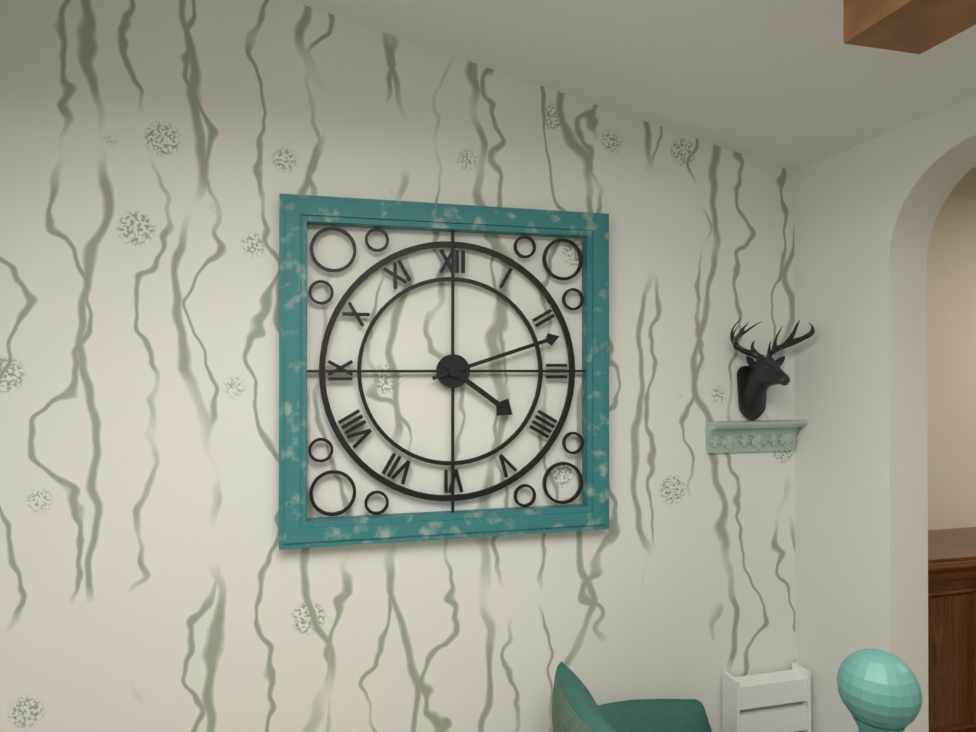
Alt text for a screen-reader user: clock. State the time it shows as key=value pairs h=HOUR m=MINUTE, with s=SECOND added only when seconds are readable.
h=4 m=12
